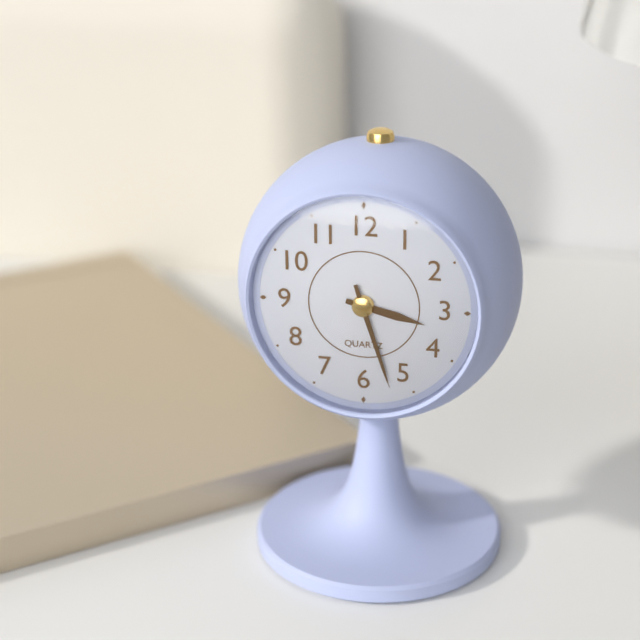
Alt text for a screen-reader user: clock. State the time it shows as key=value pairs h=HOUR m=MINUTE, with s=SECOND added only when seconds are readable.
h=3 m=27
